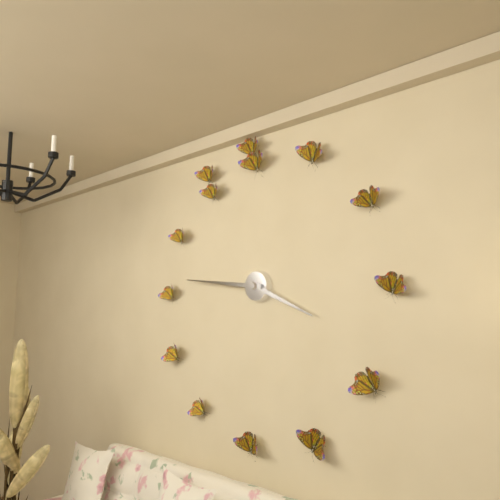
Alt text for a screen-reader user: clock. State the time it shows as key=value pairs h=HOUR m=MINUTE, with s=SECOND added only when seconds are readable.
h=3 m=46
